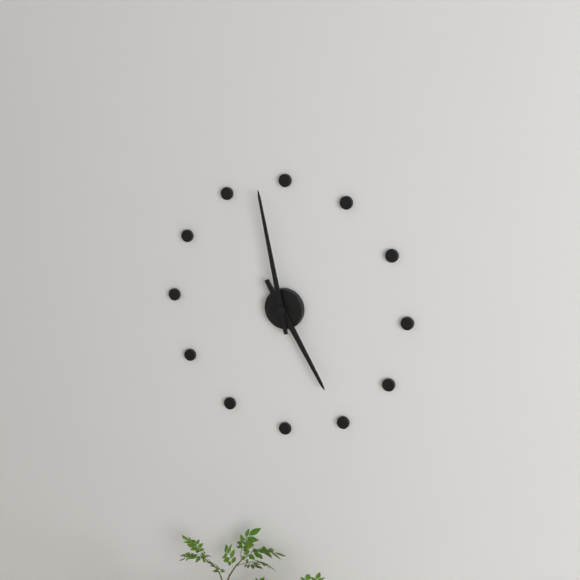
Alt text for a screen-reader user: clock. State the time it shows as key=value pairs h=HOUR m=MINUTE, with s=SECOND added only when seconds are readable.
h=4 m=58
